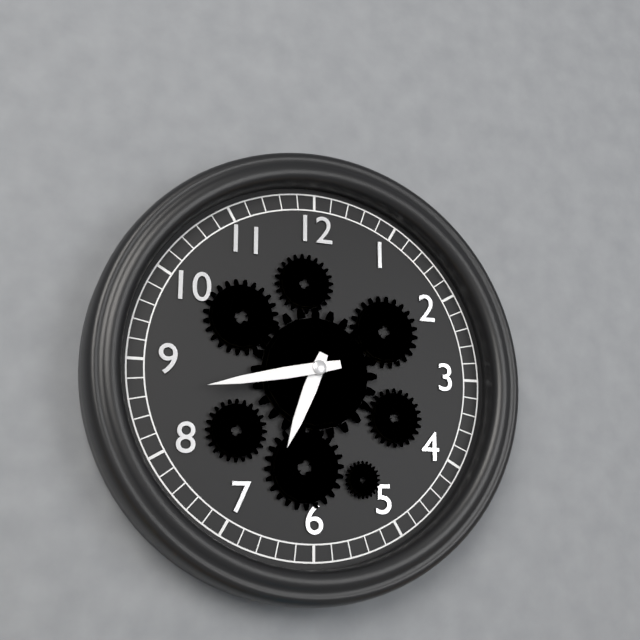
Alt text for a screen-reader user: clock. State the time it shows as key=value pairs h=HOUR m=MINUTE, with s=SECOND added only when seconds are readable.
h=6 m=43
